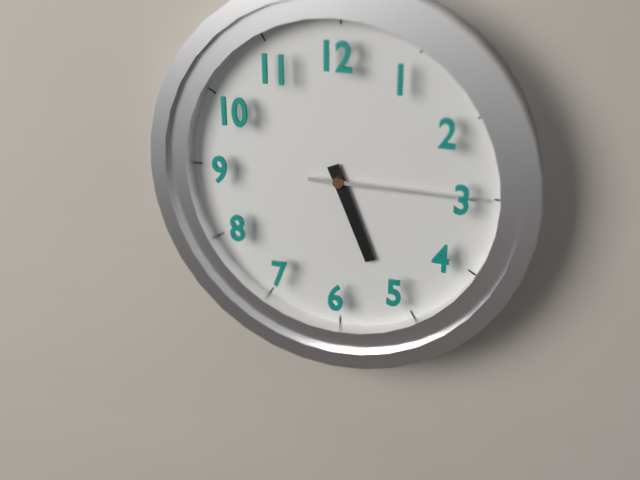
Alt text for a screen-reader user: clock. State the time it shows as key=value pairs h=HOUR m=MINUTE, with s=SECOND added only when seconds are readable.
h=5 m=15
